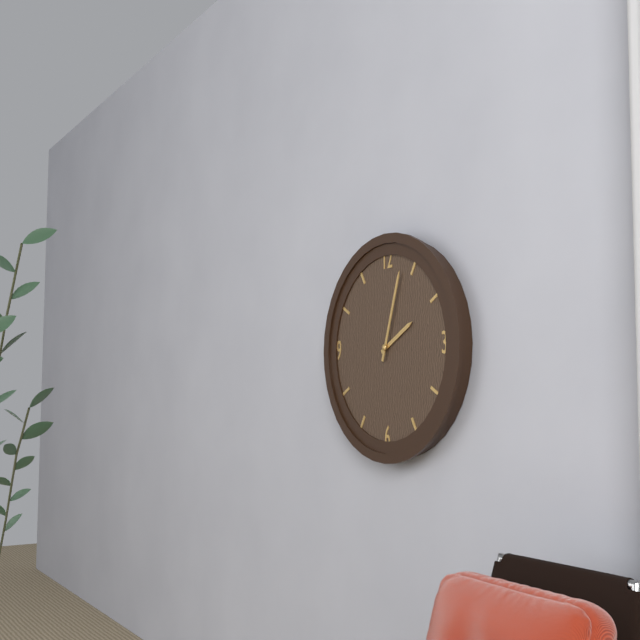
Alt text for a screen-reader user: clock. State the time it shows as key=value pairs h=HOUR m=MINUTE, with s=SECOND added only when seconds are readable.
h=2 m=3
